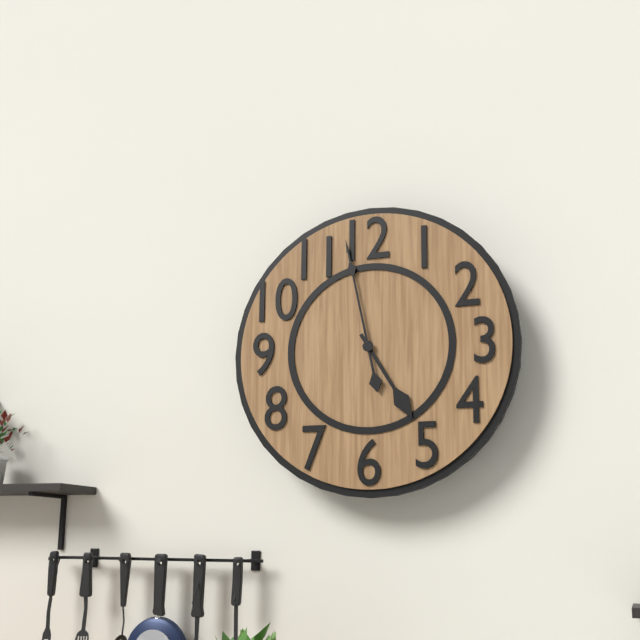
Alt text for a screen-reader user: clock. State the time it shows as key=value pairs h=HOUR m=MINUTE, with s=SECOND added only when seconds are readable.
h=4 m=58
